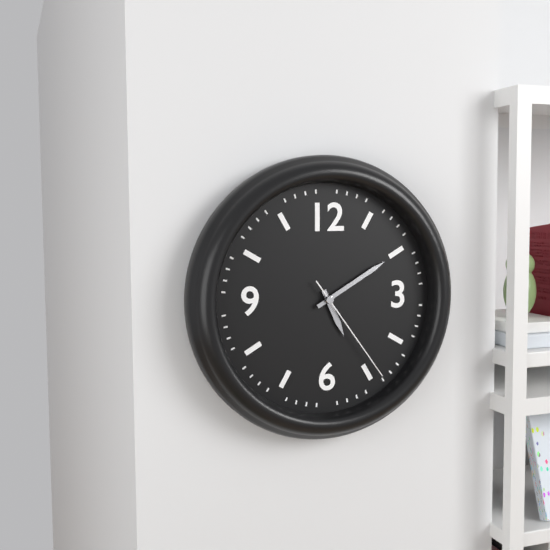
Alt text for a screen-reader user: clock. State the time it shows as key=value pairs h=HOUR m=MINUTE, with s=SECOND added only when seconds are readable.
h=5 m=10 s=24
